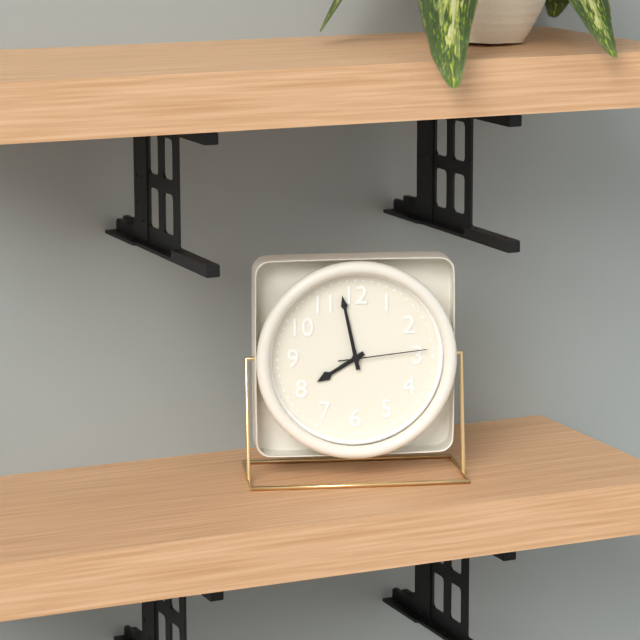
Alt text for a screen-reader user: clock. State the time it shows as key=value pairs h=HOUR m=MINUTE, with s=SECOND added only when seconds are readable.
h=7 m=58 s=14
